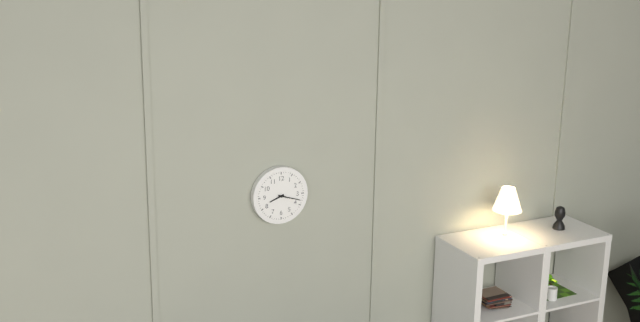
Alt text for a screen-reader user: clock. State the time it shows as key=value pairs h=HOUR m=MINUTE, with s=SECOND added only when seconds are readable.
h=8 m=18
